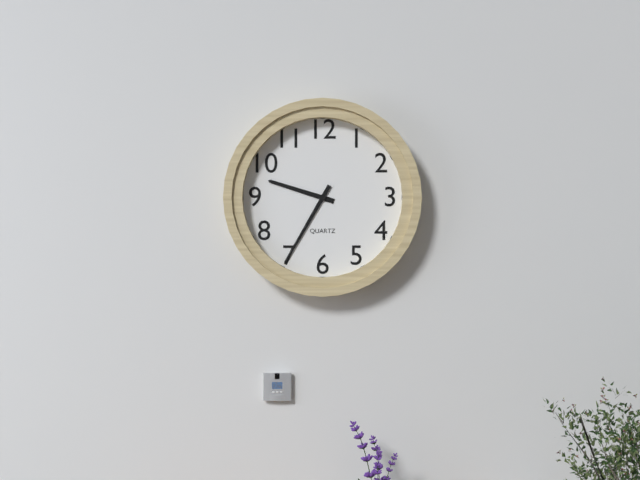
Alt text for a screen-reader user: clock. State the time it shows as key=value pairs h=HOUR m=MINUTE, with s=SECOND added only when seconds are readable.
h=9 m=35
